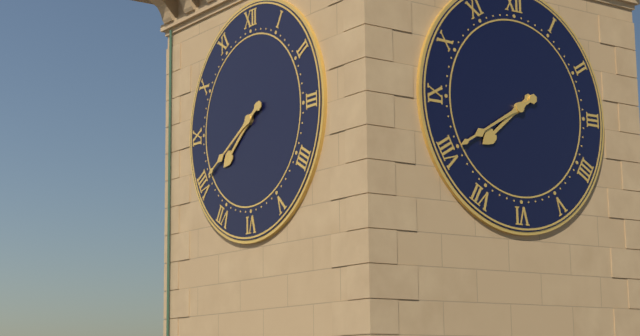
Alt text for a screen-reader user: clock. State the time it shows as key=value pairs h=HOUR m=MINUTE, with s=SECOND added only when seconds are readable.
h=7 m=40
